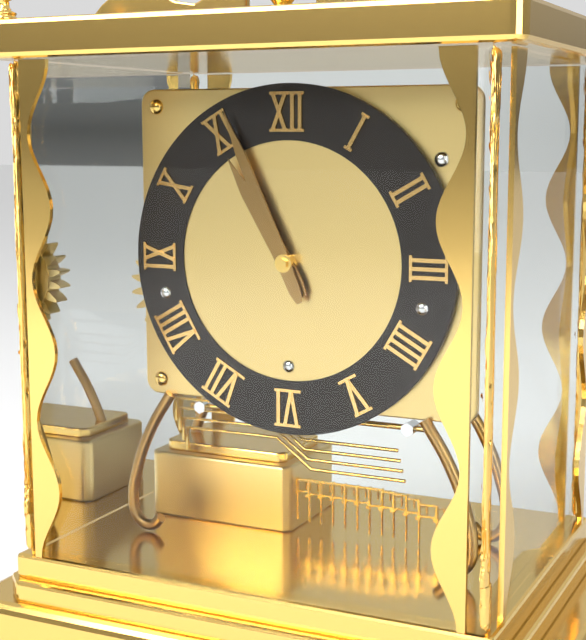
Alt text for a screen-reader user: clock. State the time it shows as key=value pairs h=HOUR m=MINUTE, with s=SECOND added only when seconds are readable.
h=10 m=56
